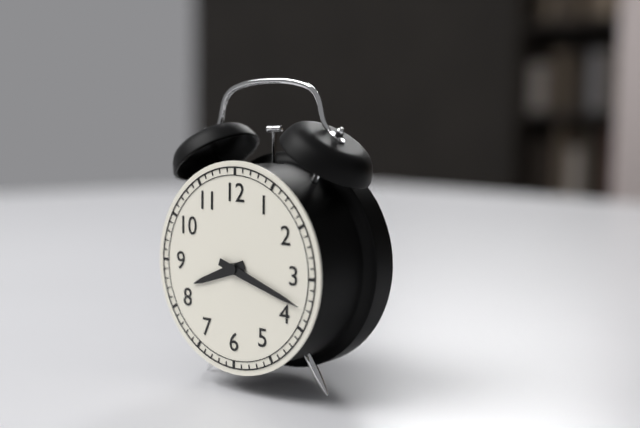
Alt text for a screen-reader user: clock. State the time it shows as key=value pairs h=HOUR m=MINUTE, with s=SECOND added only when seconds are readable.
h=8 m=18
